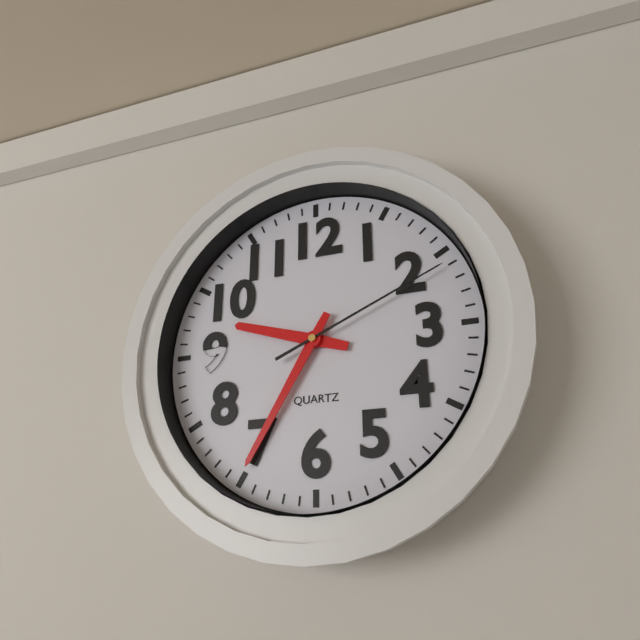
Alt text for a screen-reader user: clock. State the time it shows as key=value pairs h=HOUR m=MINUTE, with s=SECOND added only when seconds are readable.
h=9 m=35 s=11
